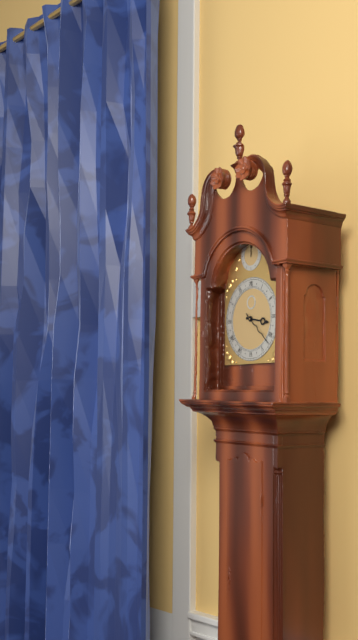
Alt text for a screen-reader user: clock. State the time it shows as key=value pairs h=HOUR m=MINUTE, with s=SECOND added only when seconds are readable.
h=3 m=22
